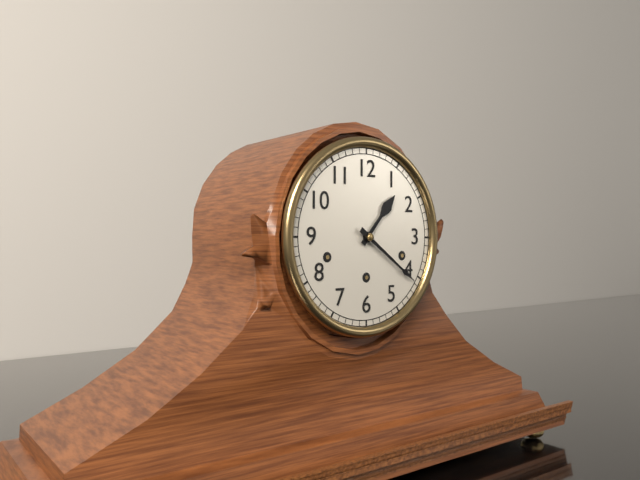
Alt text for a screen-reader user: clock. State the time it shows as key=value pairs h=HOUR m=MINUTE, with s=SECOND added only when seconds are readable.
h=1 m=21
